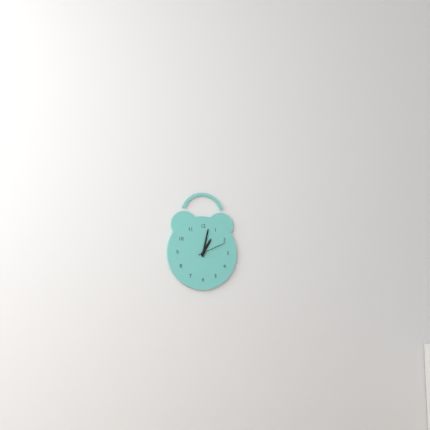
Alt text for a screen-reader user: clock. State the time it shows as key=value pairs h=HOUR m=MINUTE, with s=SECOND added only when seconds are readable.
h=1 m=2
